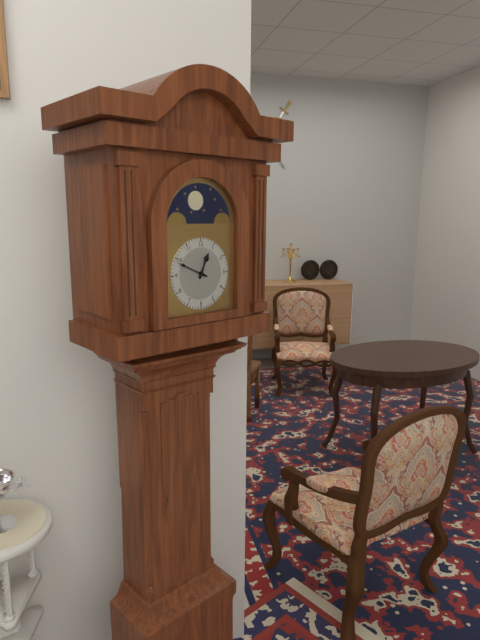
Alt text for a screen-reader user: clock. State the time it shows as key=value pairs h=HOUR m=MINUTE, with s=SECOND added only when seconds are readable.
h=12 m=49
